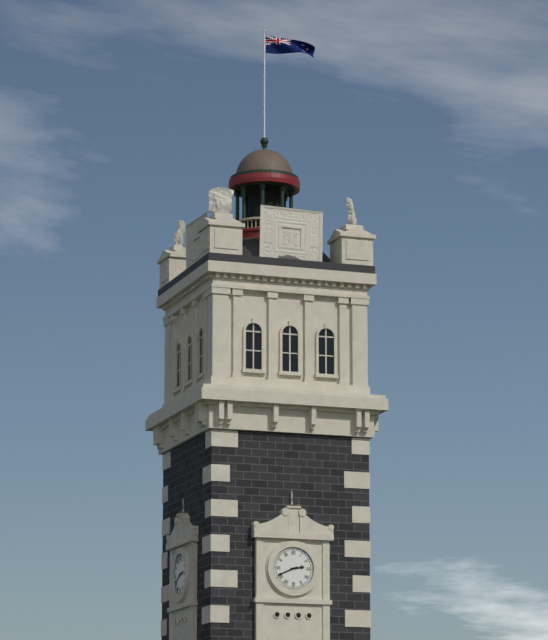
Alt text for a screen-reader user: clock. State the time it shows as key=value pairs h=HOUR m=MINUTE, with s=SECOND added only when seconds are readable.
h=2 m=41
